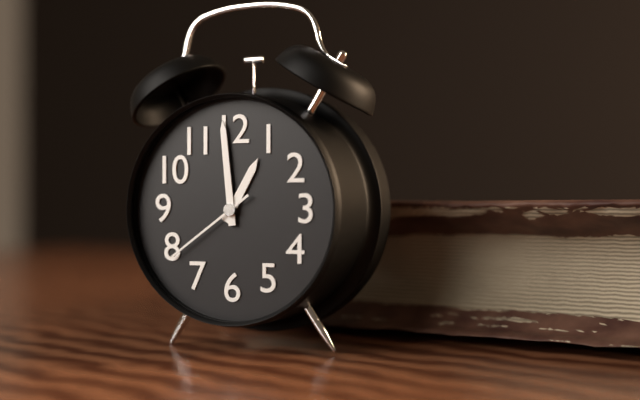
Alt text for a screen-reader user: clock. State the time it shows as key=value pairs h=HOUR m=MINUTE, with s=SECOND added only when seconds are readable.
h=12 m=59 s=39
